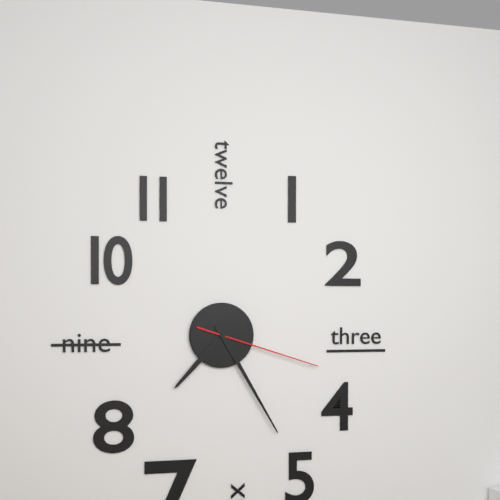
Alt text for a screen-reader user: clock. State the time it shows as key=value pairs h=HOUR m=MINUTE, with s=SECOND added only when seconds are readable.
h=7 m=25 s=18
